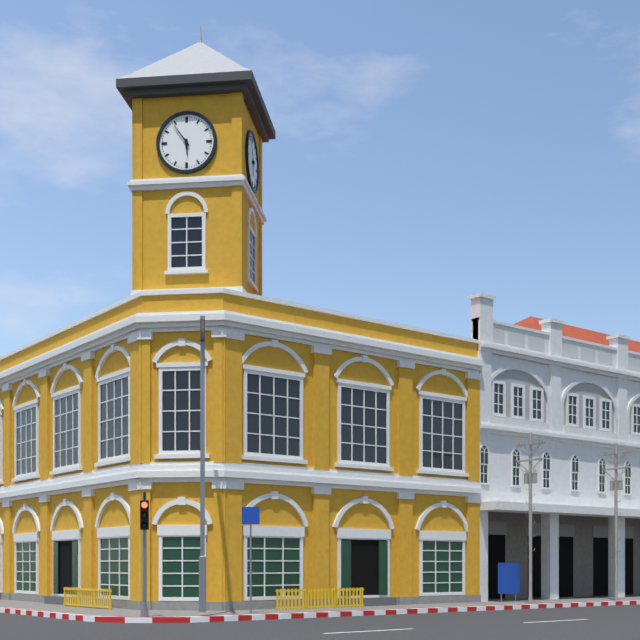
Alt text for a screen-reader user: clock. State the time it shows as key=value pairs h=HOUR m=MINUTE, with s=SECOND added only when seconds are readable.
h=5 m=54
